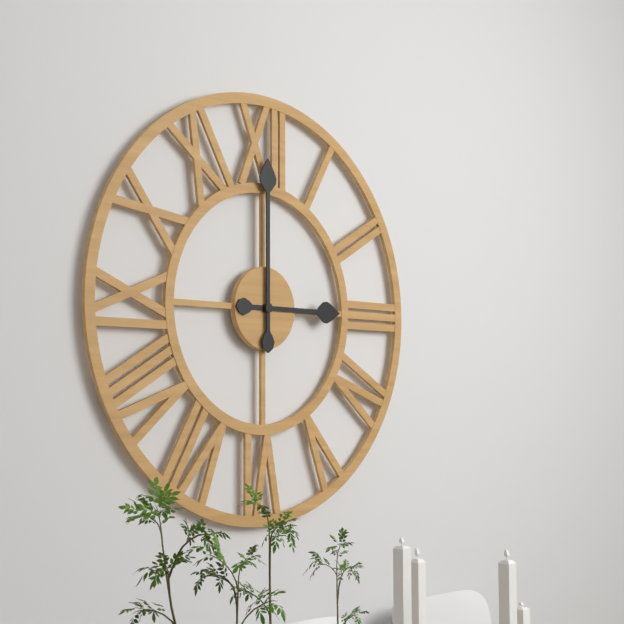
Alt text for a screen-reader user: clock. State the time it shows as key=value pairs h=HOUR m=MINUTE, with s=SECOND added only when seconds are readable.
h=3 m=0
